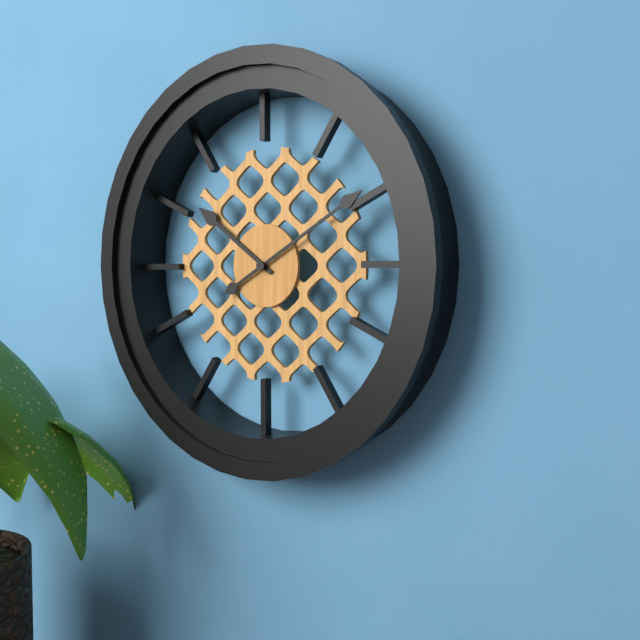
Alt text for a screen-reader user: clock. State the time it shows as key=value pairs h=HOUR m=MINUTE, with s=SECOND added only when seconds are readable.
h=10 m=10
